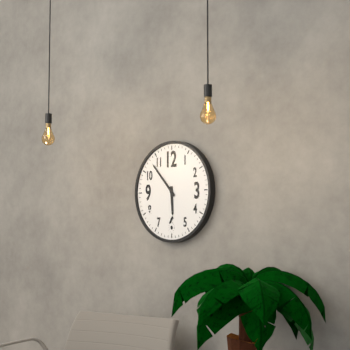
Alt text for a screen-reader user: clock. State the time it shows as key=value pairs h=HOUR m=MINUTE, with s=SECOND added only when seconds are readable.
h=5 m=53
